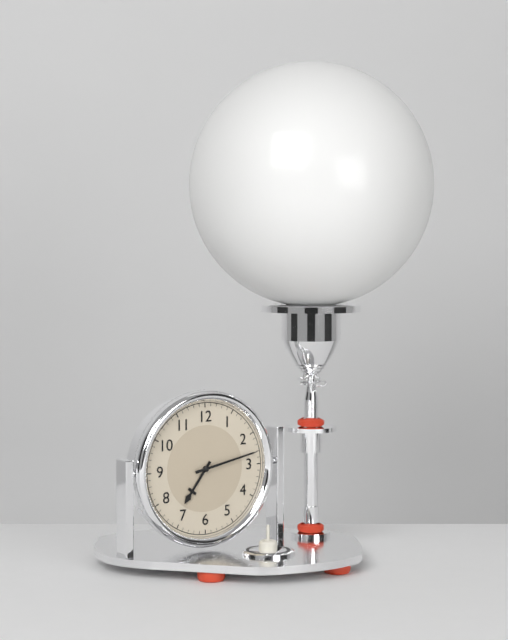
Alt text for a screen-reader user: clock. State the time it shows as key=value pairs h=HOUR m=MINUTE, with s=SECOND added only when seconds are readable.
h=7 m=13
